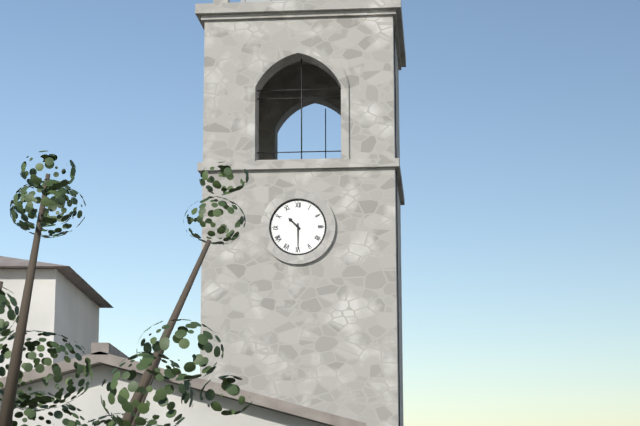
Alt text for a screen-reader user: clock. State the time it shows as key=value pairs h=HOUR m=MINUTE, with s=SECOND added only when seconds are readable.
h=10 m=30
